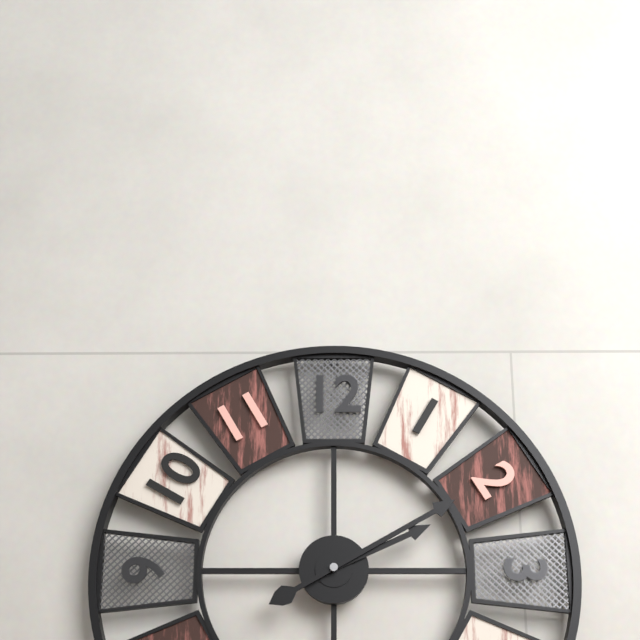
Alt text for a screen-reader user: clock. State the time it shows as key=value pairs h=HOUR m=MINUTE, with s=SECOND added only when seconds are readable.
h=2 m=10
